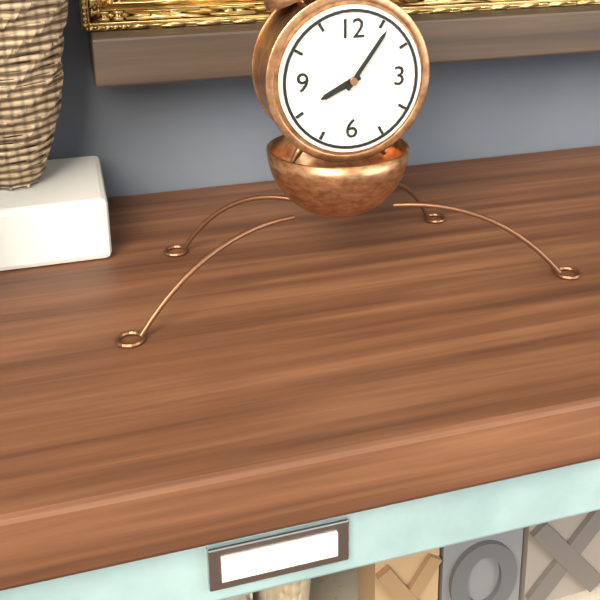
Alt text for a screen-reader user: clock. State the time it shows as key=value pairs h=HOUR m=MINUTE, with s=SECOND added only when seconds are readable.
h=8 m=6
